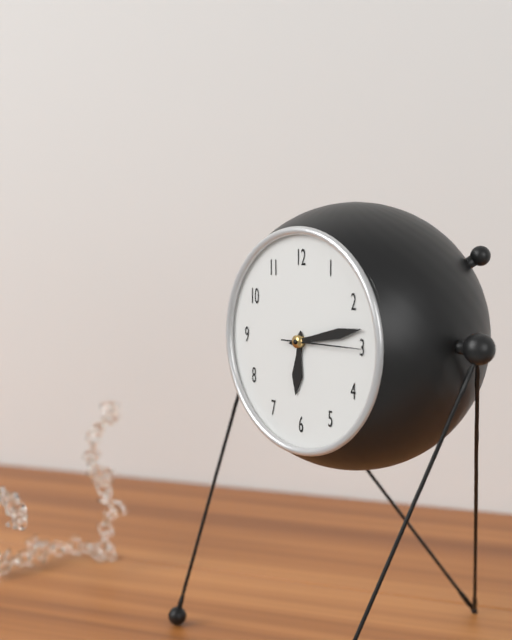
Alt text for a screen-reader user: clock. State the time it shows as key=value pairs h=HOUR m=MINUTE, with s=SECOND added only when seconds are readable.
h=6 m=13 s=15
